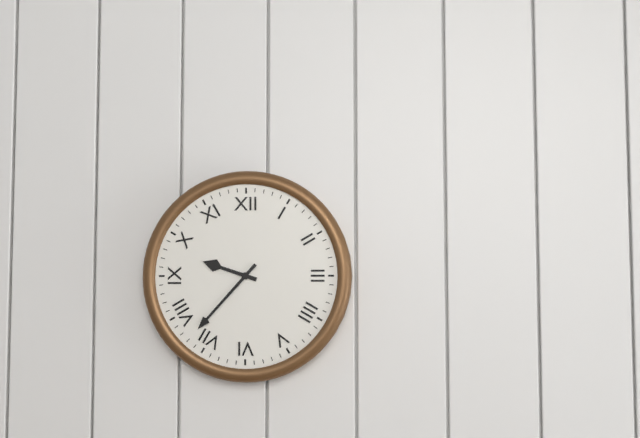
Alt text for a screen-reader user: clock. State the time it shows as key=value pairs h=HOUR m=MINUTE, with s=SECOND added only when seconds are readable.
h=9 m=37
